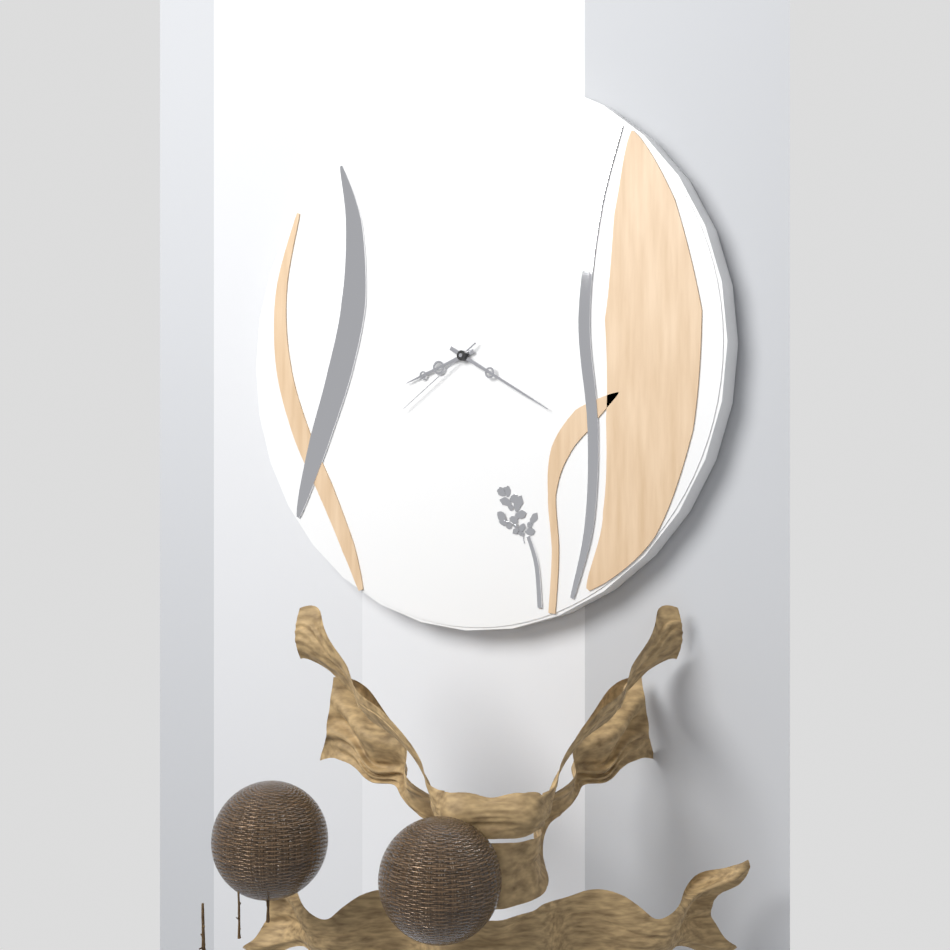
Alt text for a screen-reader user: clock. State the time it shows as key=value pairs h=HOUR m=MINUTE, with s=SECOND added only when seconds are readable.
h=8 m=20 s=39
